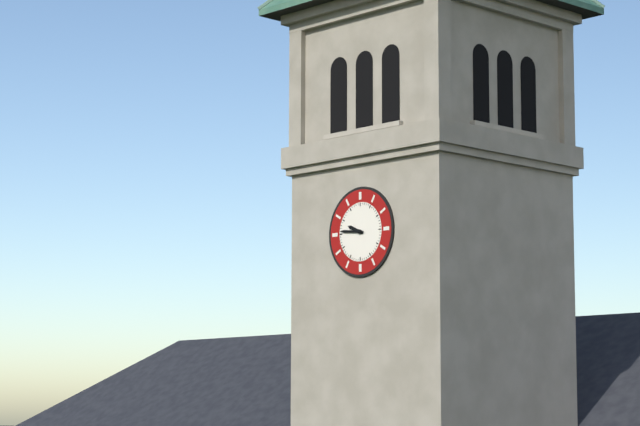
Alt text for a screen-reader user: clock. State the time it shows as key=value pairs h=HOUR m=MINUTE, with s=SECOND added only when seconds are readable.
h=9 m=46
